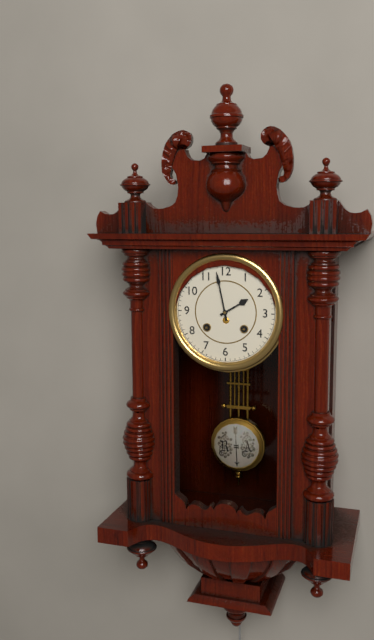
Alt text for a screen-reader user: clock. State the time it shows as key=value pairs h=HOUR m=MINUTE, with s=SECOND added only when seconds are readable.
h=1 m=58
